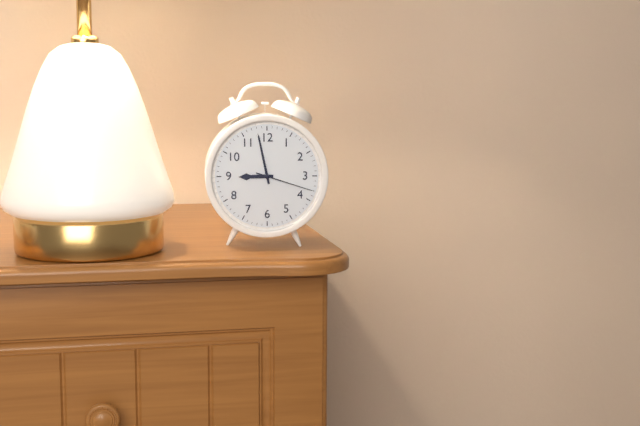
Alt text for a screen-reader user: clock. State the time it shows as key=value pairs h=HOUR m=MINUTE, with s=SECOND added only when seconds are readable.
h=8 m=58 s=18
